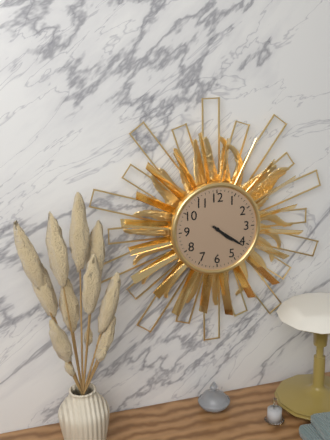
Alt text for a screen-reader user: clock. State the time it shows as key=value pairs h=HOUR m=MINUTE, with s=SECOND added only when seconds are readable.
h=4 m=21
